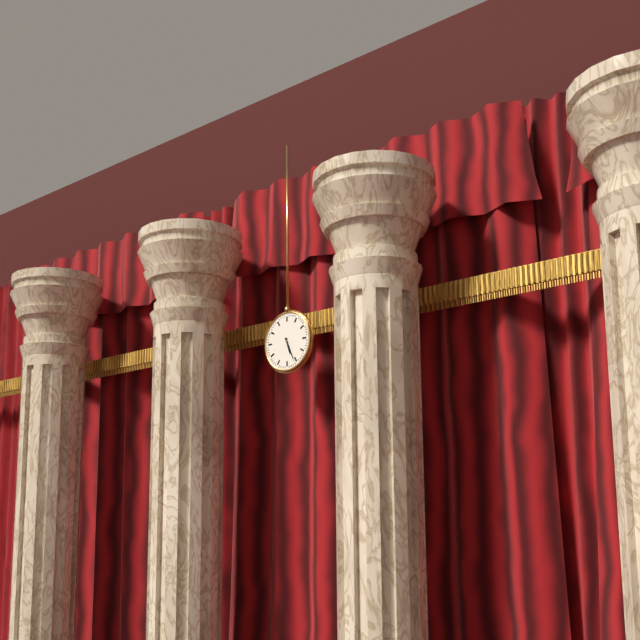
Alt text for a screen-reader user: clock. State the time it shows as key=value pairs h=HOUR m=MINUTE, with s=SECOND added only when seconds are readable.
h=5 m=26
